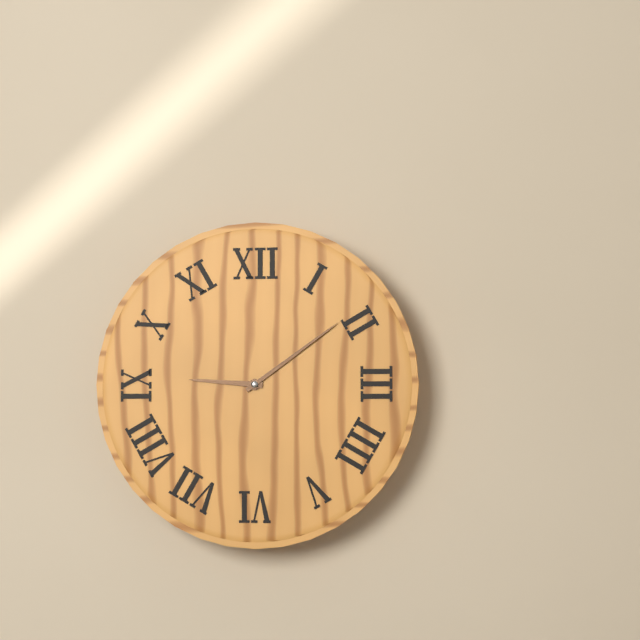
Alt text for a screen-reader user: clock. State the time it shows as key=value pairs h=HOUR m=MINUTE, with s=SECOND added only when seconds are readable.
h=9 m=9
